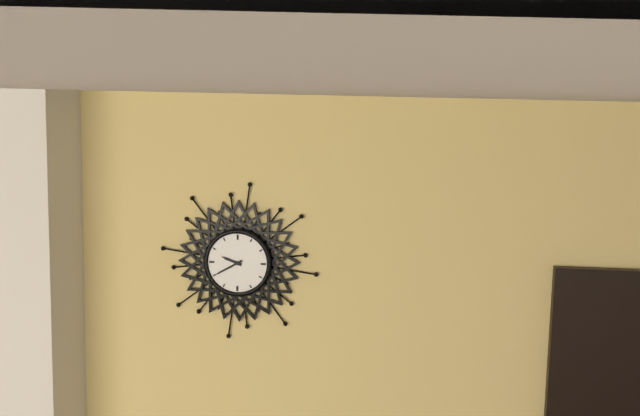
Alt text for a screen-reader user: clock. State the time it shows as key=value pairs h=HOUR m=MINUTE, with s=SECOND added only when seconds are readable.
h=9 m=40
